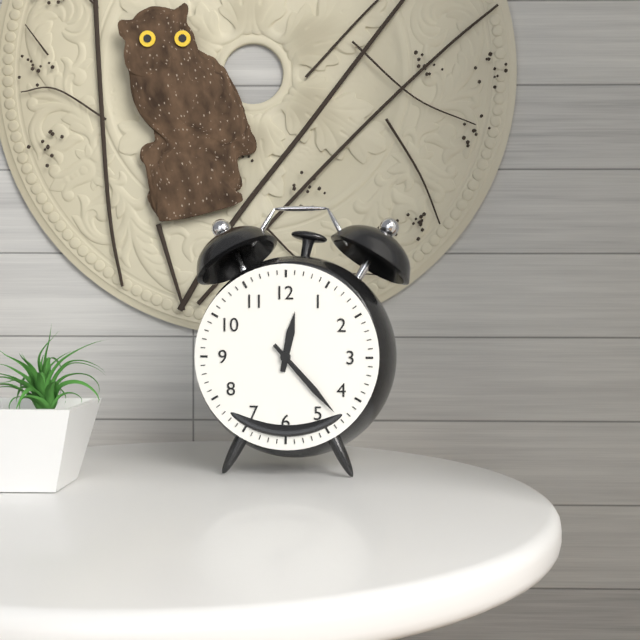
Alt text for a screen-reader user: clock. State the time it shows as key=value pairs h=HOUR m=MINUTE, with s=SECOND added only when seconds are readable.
h=12 m=23
